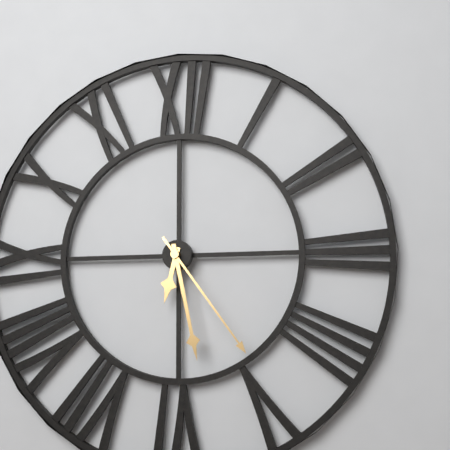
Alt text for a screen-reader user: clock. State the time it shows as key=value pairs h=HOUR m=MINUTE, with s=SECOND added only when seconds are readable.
h=6 m=28 s=24
